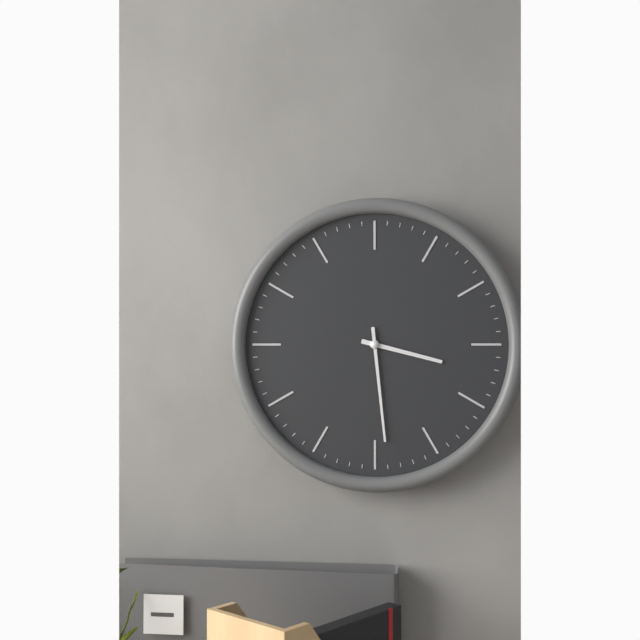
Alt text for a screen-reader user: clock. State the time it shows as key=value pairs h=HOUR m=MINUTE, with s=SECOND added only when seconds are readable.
h=3 m=29
